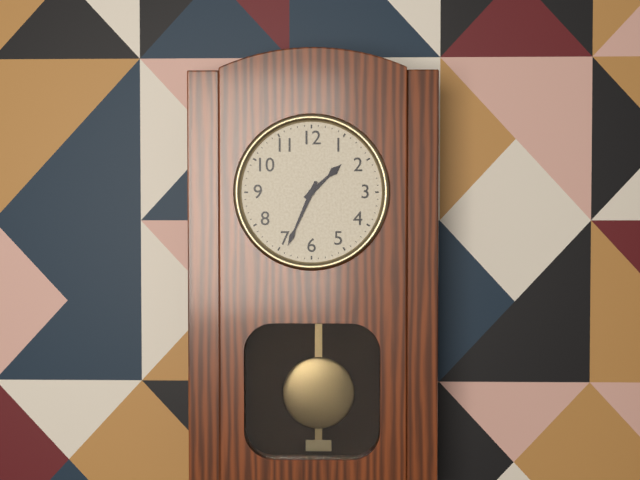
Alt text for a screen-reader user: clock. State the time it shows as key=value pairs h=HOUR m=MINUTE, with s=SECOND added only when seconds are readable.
h=1 m=34
